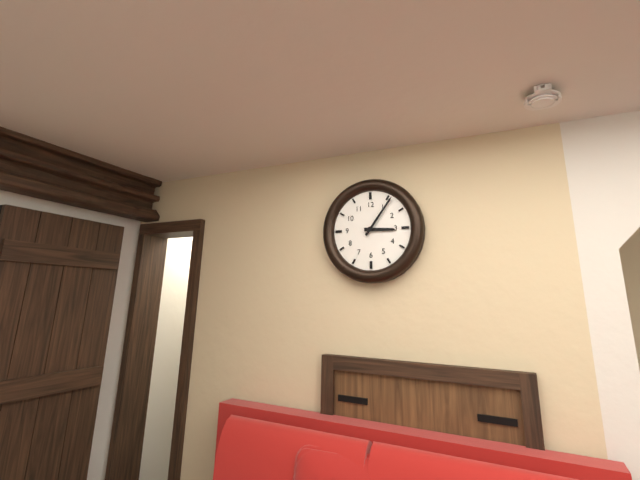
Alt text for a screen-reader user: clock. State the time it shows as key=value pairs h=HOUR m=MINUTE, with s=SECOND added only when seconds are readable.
h=3 m=6
